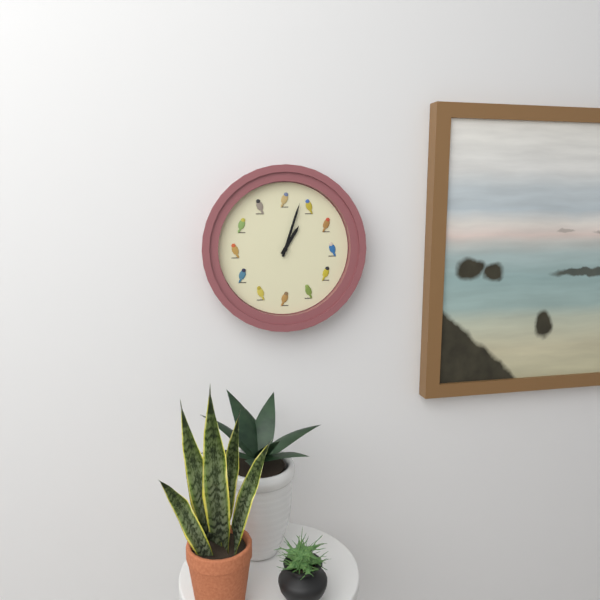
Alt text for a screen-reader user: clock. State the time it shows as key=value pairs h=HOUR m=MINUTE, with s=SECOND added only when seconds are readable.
h=1 m=3
